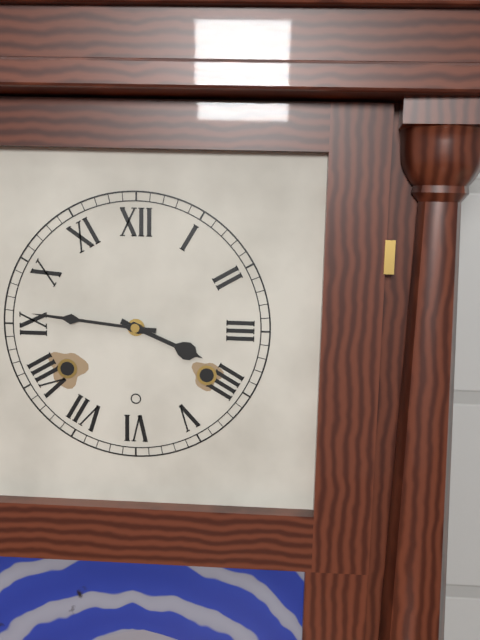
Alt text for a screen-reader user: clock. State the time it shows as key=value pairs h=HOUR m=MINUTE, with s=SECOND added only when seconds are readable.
h=3 m=46
